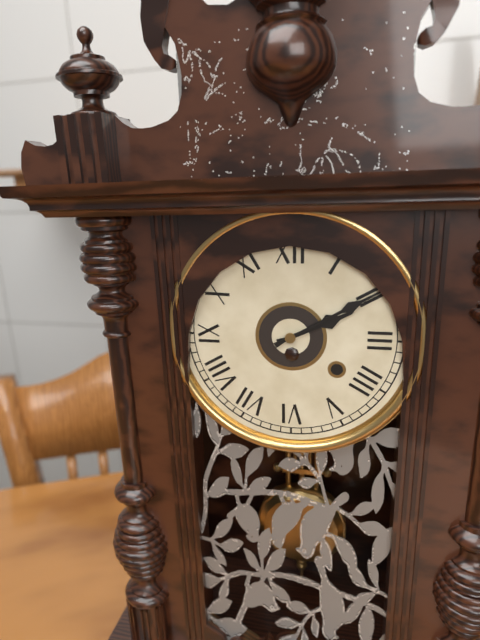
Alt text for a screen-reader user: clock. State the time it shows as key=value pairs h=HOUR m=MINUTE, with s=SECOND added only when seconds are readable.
h=2 m=10
